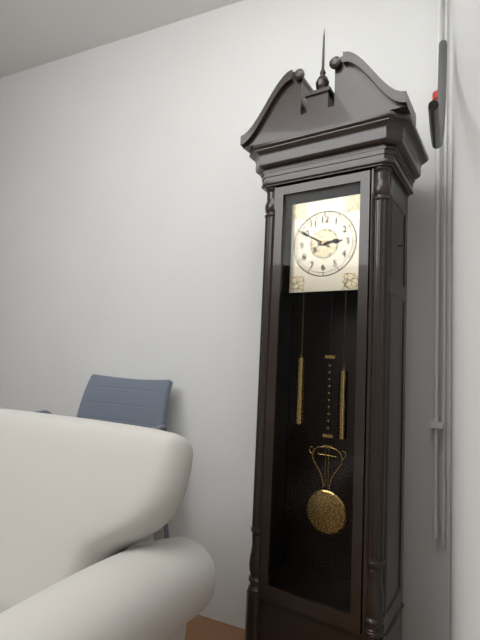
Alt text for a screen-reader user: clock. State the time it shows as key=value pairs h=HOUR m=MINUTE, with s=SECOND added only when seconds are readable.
h=2 m=50
